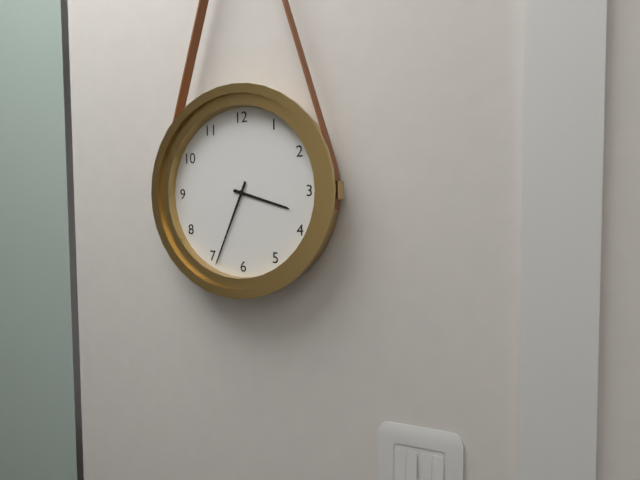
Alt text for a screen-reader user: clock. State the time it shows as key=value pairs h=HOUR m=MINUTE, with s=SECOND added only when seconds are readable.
h=3 m=34
